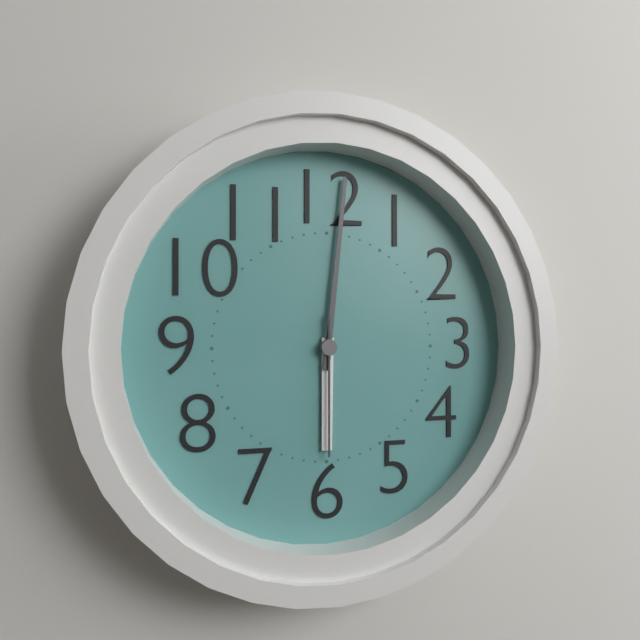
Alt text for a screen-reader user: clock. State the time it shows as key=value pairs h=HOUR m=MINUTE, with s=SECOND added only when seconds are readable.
h=6 m=1 s=30
